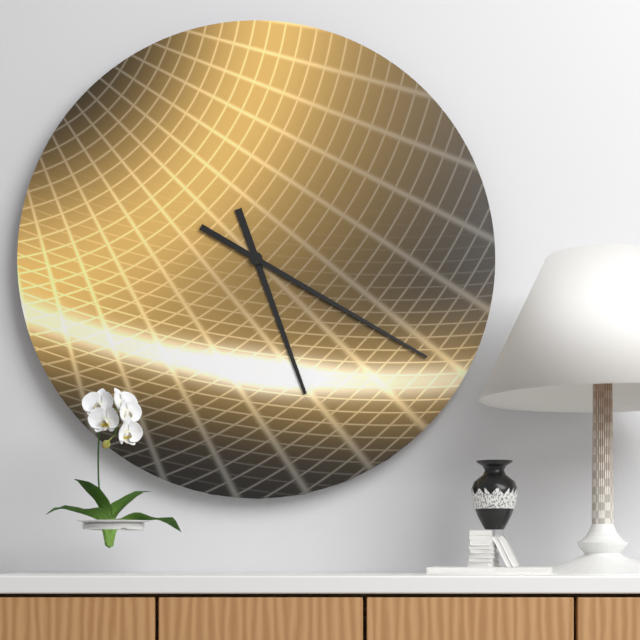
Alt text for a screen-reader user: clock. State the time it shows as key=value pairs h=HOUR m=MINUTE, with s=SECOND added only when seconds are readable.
h=5 m=20
